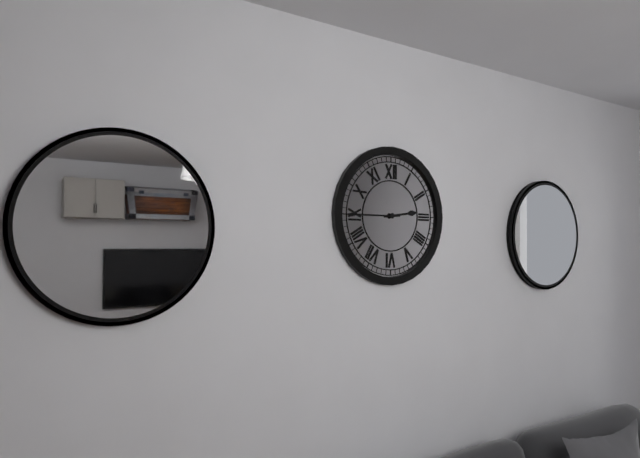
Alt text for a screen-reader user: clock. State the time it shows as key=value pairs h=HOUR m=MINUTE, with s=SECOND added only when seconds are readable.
h=2 m=45
